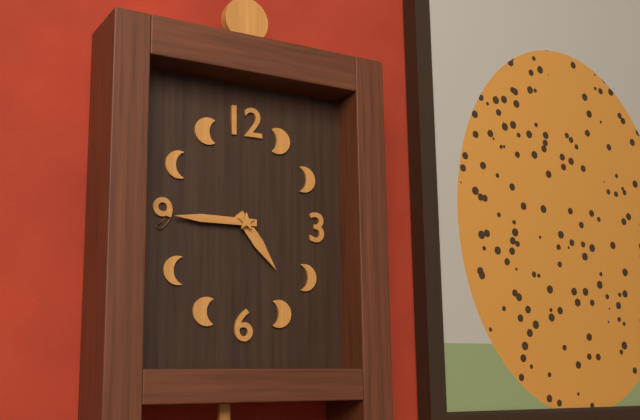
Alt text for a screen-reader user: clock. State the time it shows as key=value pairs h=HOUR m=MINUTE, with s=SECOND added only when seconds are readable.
h=4 m=45
